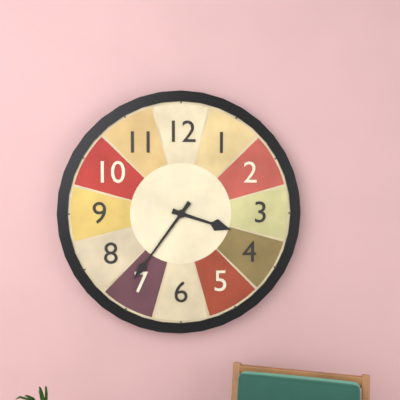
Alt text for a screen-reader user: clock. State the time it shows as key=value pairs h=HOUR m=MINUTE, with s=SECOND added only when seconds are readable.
h=3 m=36
